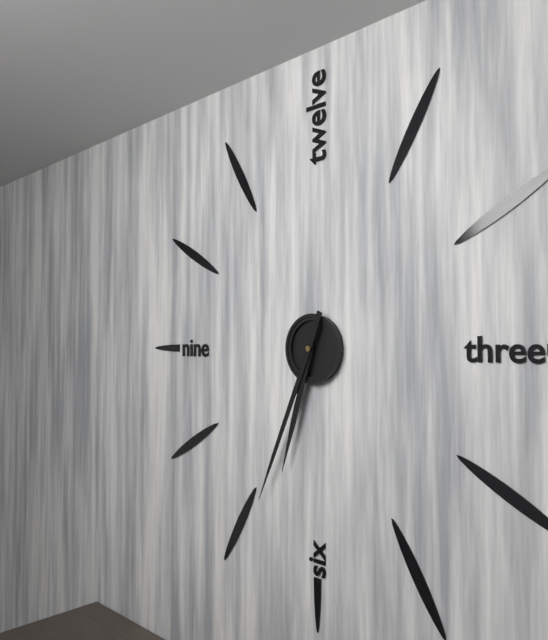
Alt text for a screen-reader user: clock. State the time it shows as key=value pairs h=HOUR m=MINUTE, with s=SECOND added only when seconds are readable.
h=6 m=34
